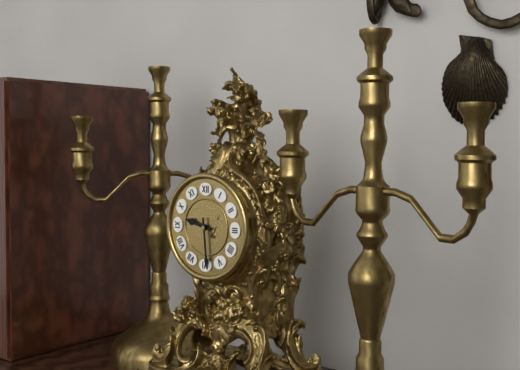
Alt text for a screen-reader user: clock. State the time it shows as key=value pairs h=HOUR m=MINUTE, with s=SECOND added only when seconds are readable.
h=9 m=29
